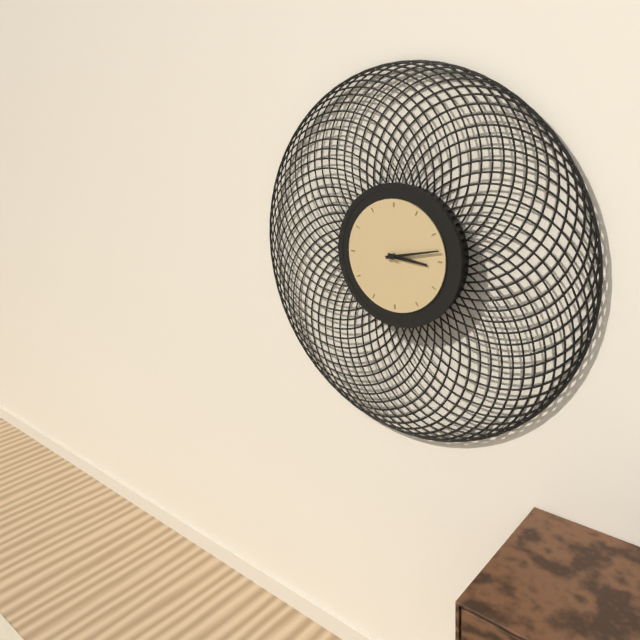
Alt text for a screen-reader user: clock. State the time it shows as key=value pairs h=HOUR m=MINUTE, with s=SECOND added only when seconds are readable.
h=3 m=13
